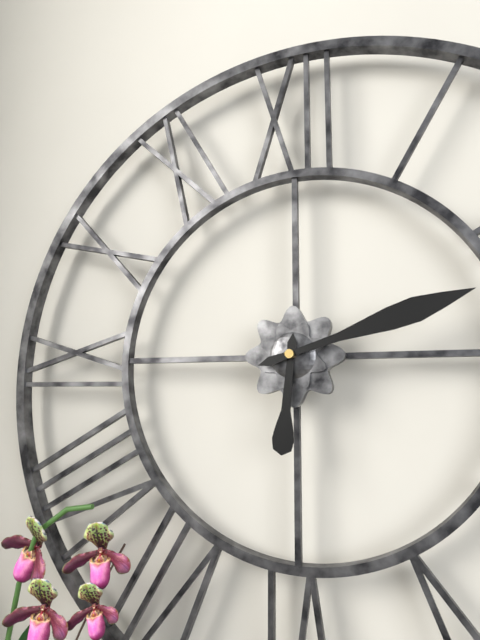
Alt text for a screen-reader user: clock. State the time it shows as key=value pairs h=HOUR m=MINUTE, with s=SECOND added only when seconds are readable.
h=6 m=12
